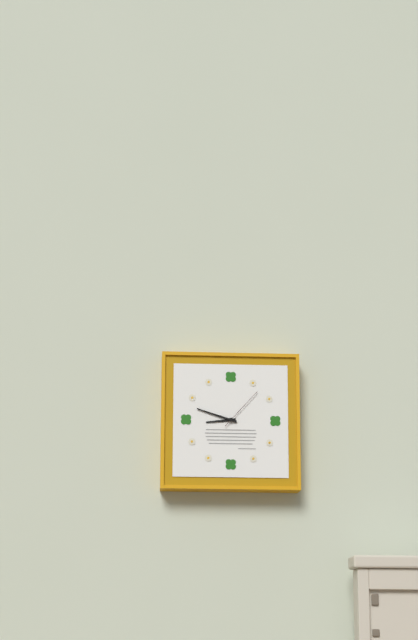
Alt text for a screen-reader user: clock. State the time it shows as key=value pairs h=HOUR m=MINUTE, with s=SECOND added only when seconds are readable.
h=8 m=48
